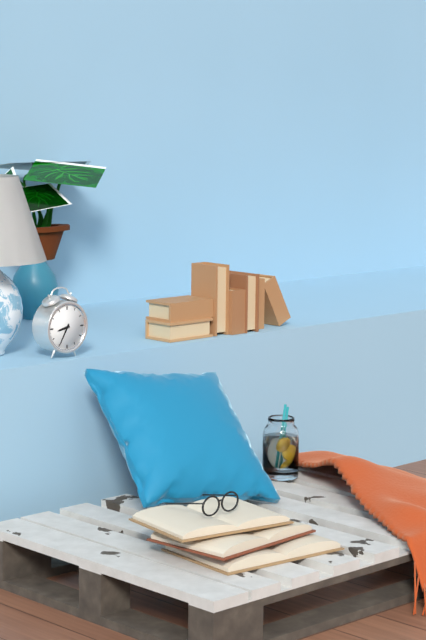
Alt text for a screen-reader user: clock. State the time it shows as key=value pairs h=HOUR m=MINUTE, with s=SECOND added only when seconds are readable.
h=8 m=35
